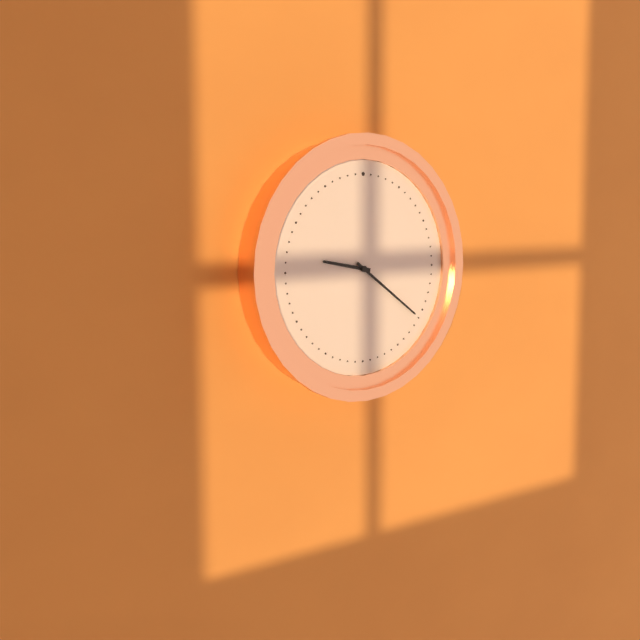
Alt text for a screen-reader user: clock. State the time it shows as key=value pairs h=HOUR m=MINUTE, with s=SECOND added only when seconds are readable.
h=9 m=21
